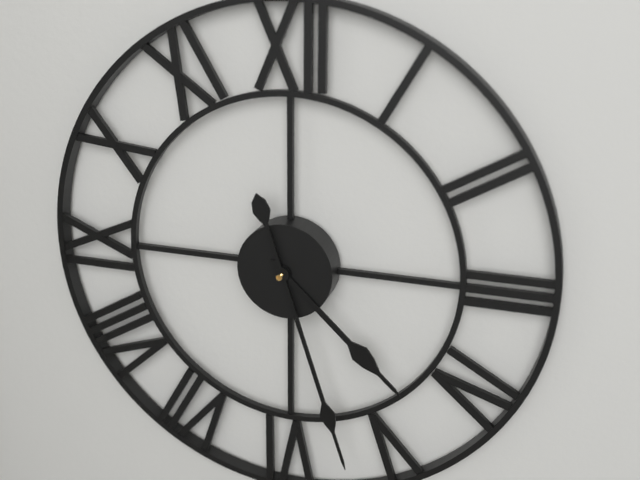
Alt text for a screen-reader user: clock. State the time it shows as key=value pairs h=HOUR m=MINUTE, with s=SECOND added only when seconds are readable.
h=4 m=27
